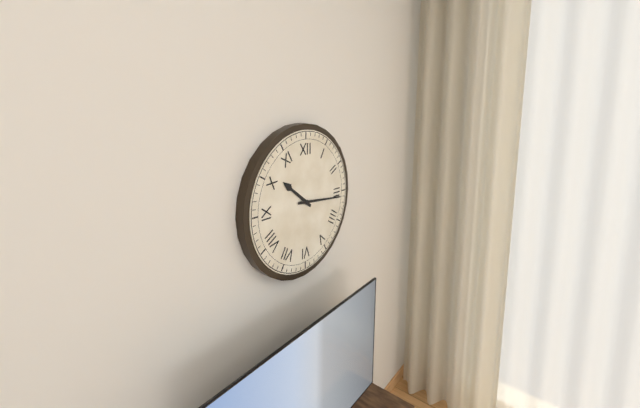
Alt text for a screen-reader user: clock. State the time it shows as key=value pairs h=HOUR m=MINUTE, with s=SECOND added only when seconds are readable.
h=10 m=16
